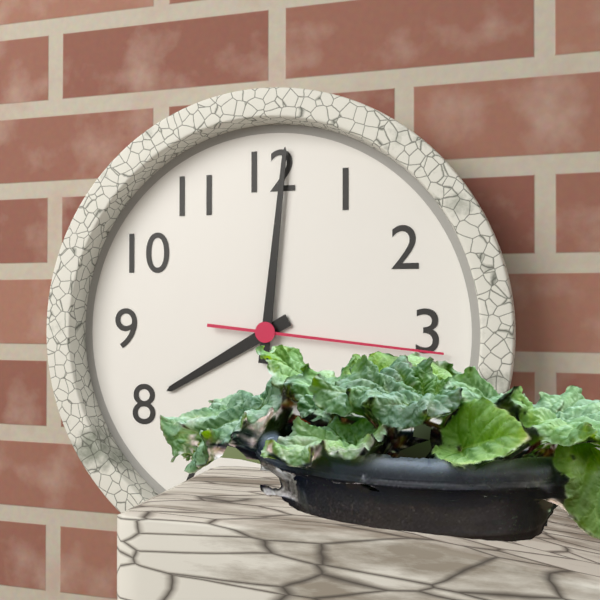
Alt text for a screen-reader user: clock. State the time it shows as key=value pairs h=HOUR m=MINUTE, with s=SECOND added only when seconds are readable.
h=8 m=1 s=16
